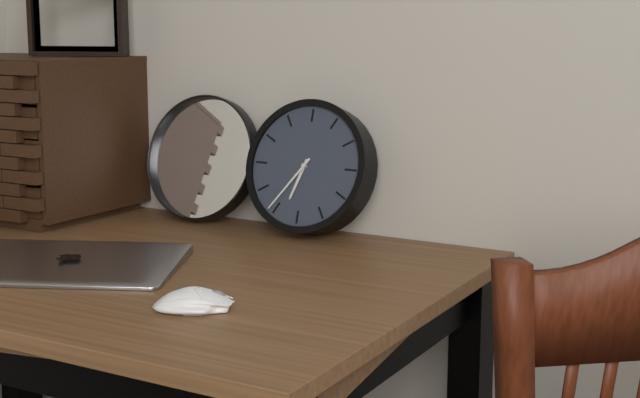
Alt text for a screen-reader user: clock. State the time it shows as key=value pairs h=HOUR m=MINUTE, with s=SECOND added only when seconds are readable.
h=6 m=36
